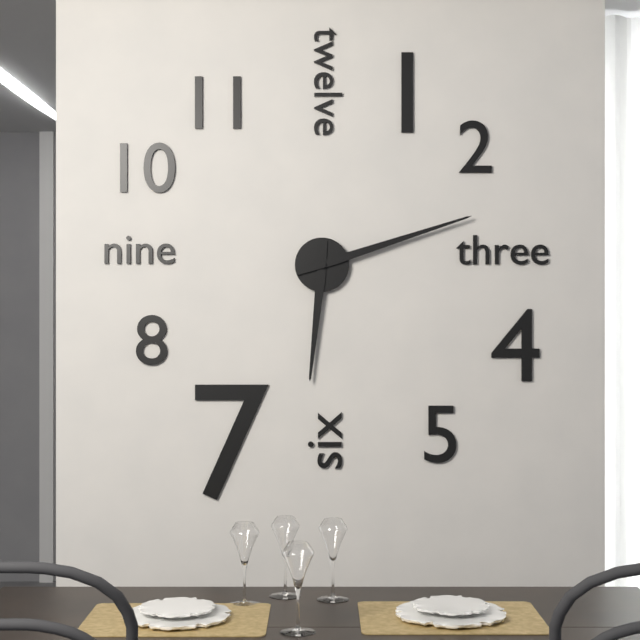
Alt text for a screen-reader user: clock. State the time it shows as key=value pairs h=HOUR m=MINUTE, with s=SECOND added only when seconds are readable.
h=6 m=12
